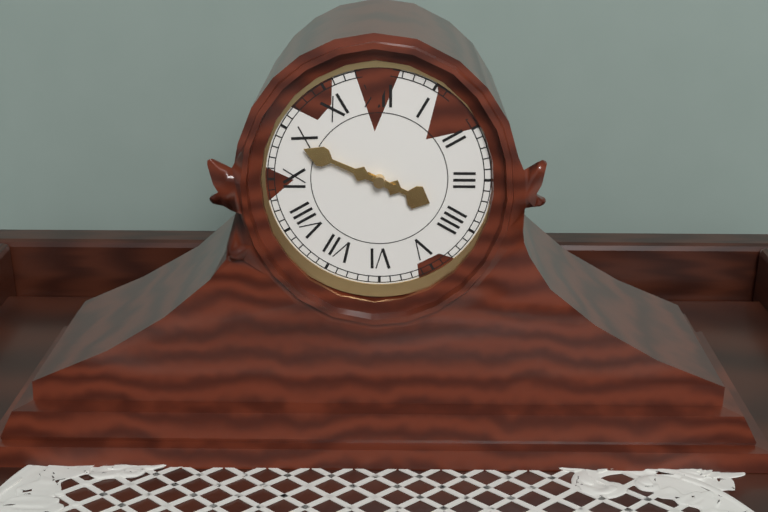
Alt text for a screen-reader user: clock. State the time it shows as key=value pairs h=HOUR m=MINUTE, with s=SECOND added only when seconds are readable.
h=3 m=49
